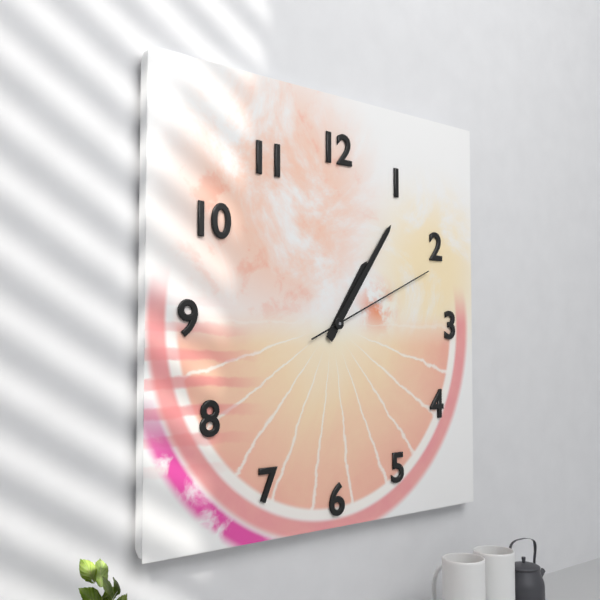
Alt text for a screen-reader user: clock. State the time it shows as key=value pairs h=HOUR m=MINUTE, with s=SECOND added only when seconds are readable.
h=1 m=6 s=11
